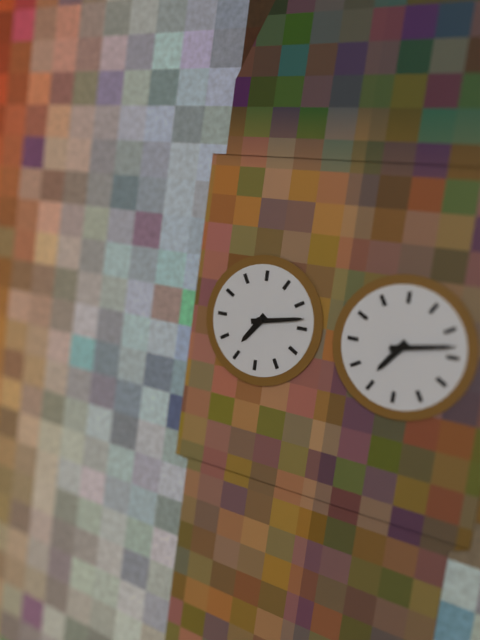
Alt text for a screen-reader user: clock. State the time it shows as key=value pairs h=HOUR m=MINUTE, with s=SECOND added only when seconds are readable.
h=7 m=13
